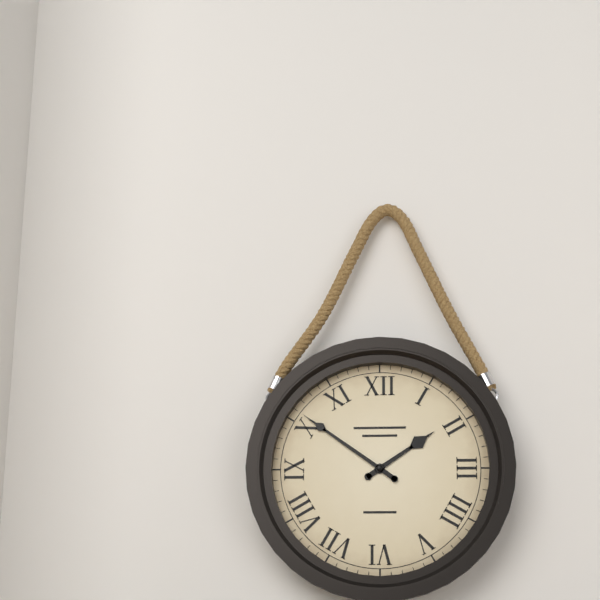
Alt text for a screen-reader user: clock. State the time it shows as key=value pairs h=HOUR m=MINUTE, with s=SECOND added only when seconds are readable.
h=1 m=51
